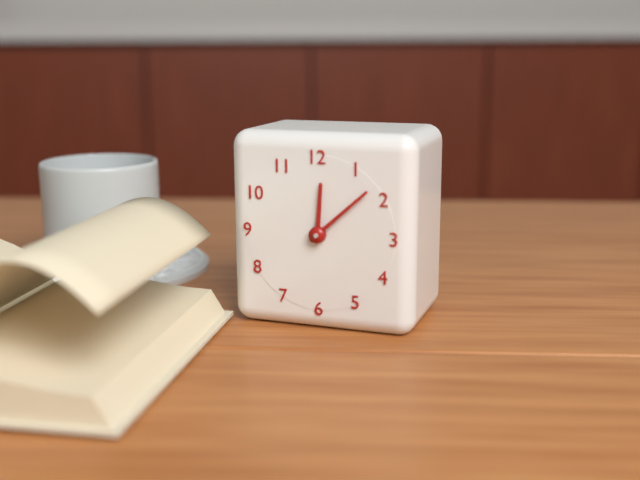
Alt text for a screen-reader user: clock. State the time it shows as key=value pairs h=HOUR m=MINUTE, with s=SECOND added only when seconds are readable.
h=12 m=8
